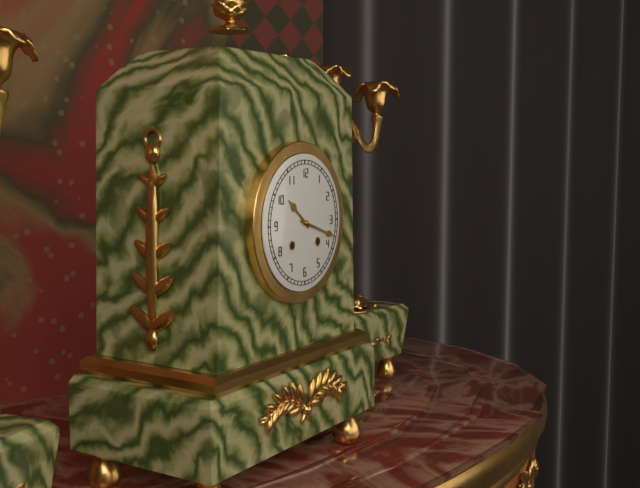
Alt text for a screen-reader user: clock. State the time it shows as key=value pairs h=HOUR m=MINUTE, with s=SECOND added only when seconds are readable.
h=10 m=18
